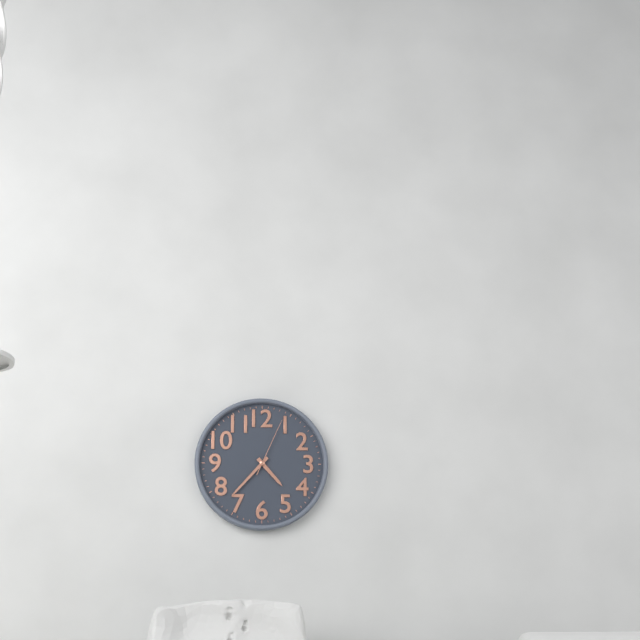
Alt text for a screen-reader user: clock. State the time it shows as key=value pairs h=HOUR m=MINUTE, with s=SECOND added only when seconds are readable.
h=4 m=37 s=4
